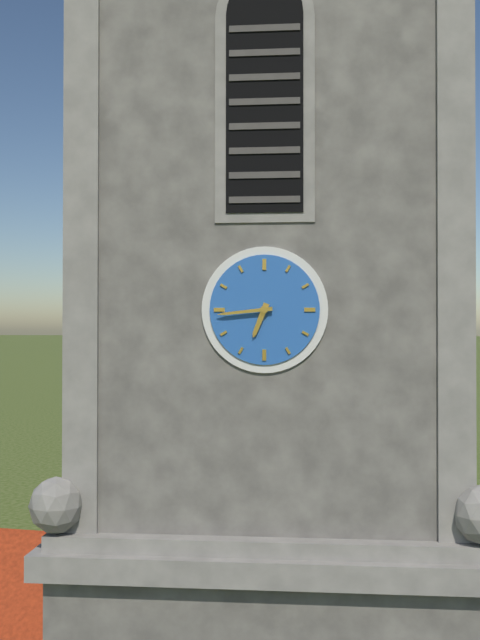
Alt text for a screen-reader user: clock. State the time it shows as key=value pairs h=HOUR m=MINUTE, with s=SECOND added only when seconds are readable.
h=6 m=44
